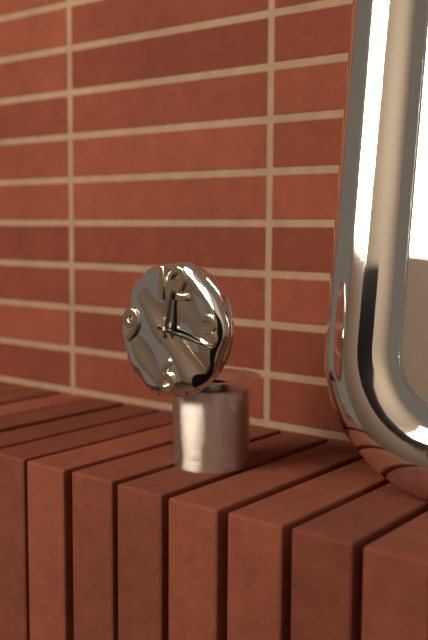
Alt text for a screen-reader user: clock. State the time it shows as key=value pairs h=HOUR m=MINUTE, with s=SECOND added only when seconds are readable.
h=12 m=17 s=22
